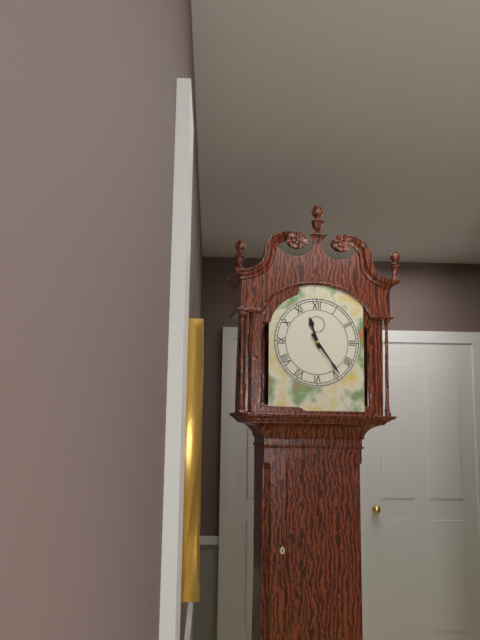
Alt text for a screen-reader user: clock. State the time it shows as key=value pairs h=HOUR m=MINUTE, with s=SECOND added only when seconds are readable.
h=11 m=24
